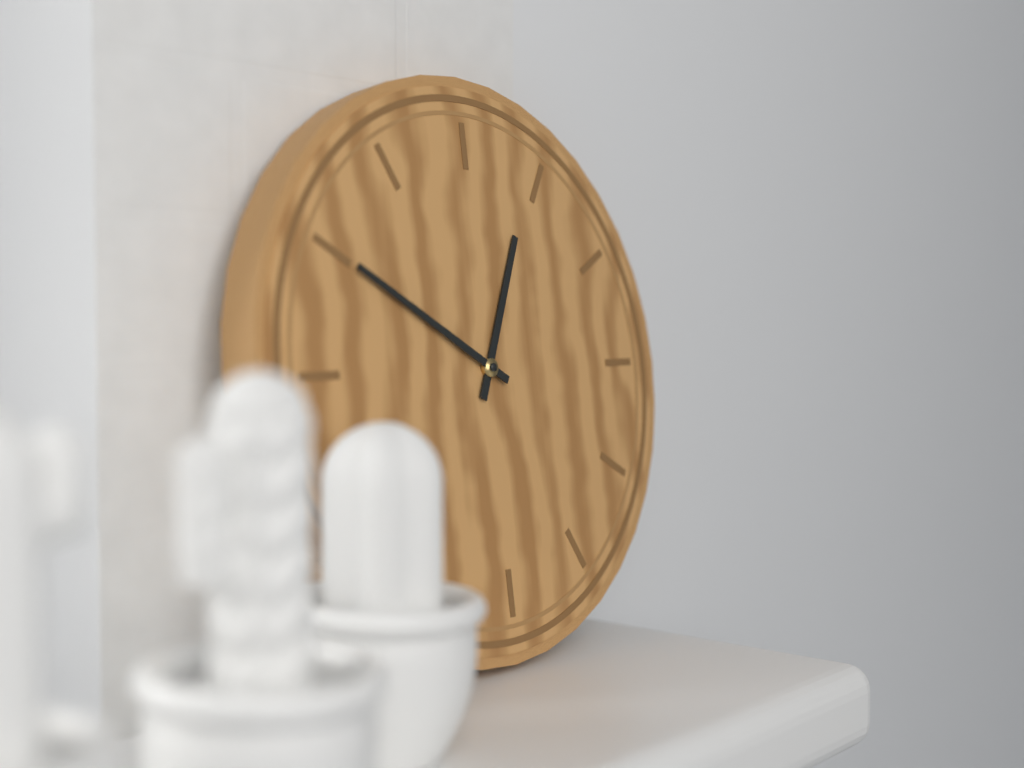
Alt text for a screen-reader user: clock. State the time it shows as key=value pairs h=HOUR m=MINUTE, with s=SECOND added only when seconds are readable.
h=12 m=50
